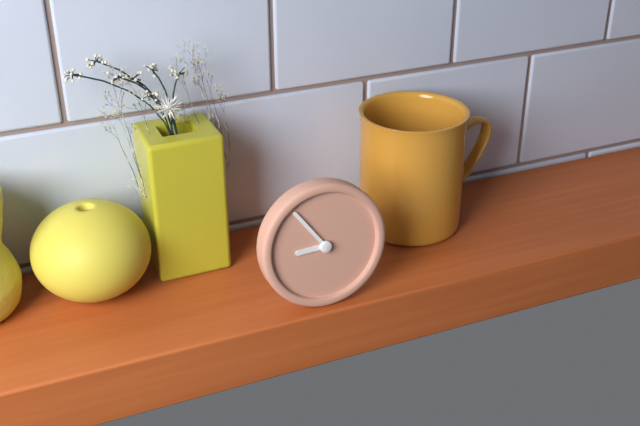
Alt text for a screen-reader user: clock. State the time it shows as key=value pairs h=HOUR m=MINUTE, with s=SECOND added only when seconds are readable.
h=8 m=54
